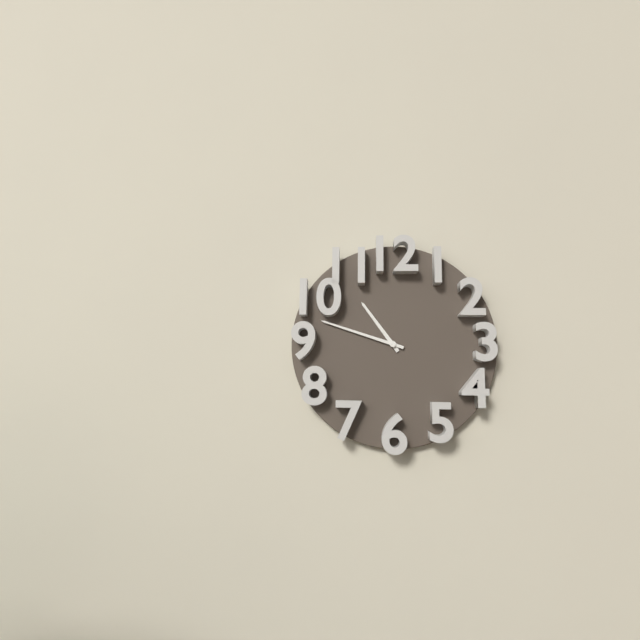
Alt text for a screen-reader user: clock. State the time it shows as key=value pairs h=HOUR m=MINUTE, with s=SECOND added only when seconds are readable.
h=10 m=48
